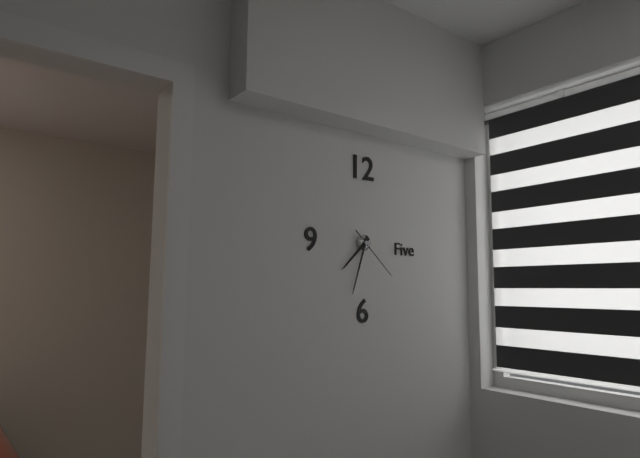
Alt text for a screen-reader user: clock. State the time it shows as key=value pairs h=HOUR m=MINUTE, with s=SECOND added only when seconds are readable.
h=7 m=33 s=22
